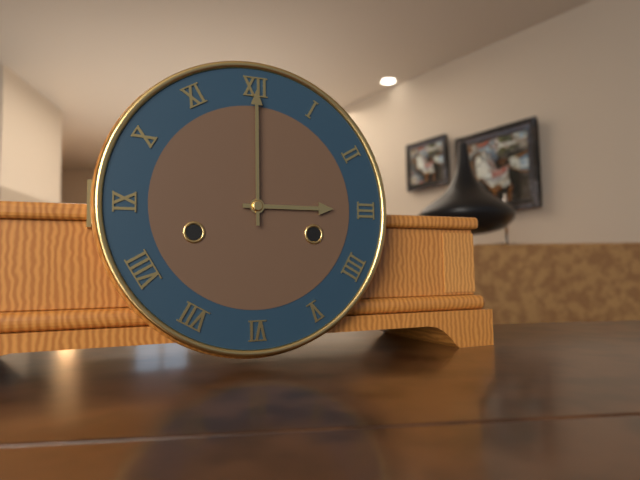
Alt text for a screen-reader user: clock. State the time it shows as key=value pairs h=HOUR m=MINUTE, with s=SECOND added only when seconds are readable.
h=3 m=0
